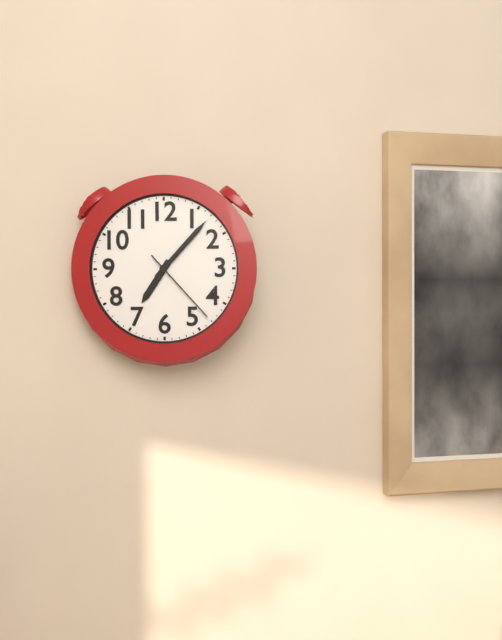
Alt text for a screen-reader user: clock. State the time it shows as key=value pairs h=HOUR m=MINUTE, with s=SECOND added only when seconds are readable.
h=7 m=7 s=23
